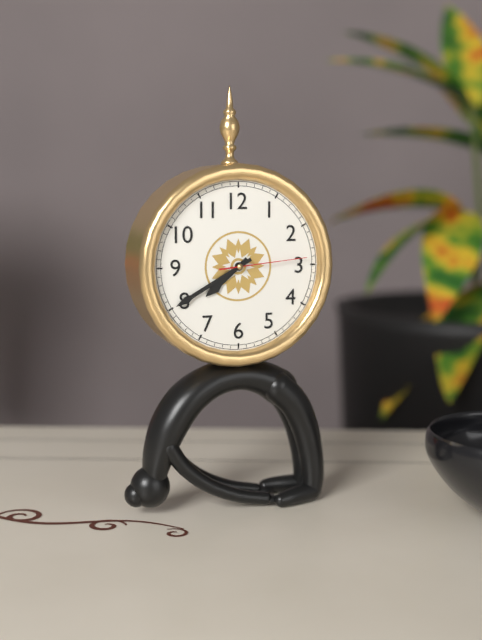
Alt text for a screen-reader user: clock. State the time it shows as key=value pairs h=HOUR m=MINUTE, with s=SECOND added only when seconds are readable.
h=7 m=40 s=14
